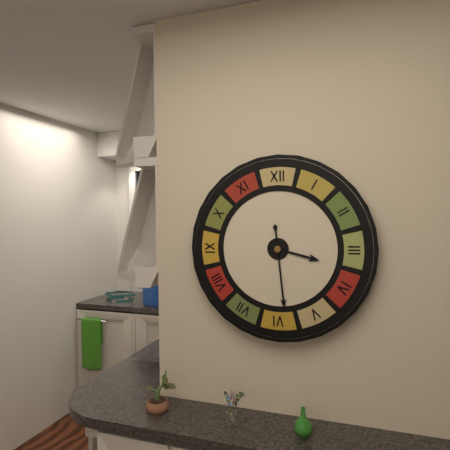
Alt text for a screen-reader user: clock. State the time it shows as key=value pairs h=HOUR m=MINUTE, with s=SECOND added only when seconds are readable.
h=3 m=29
